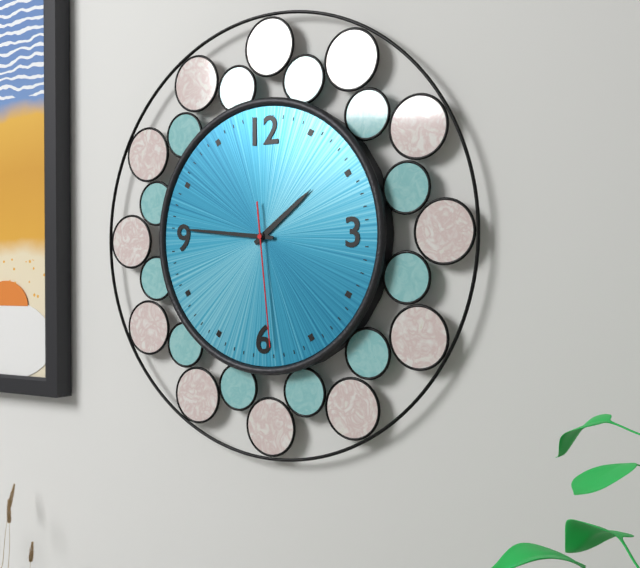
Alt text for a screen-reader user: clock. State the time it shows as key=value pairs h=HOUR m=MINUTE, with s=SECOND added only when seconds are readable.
h=1 m=46 s=29
